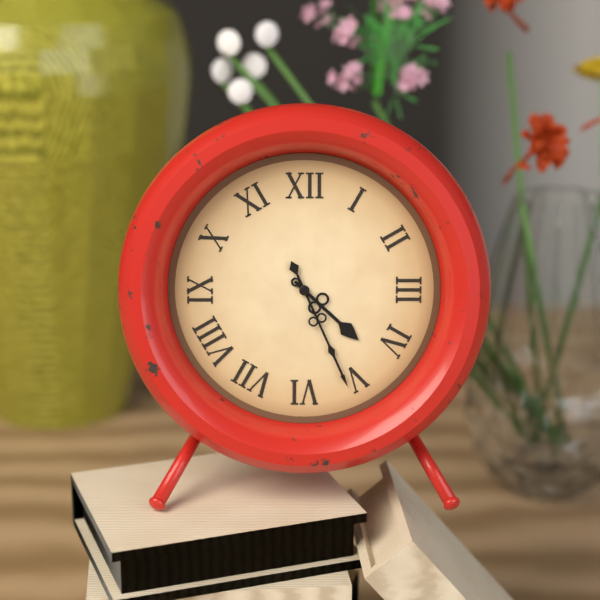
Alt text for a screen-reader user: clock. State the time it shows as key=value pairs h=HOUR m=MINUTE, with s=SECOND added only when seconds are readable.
h=4 m=26
